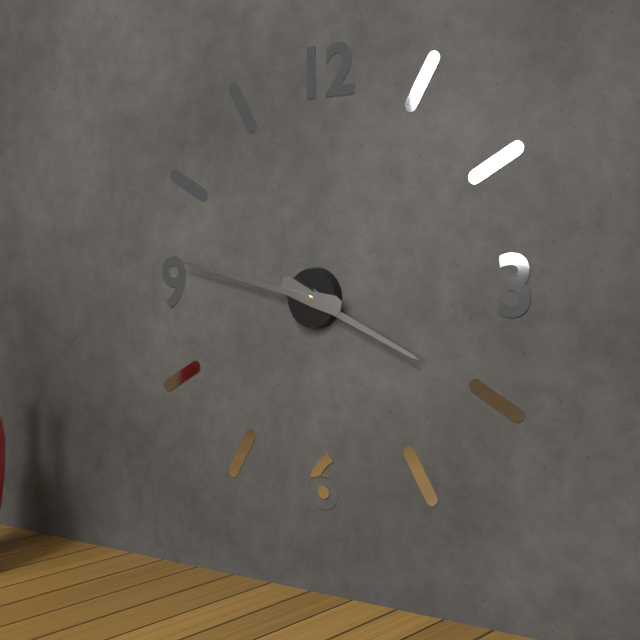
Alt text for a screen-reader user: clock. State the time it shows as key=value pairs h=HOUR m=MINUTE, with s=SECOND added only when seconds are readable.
h=3 m=47
